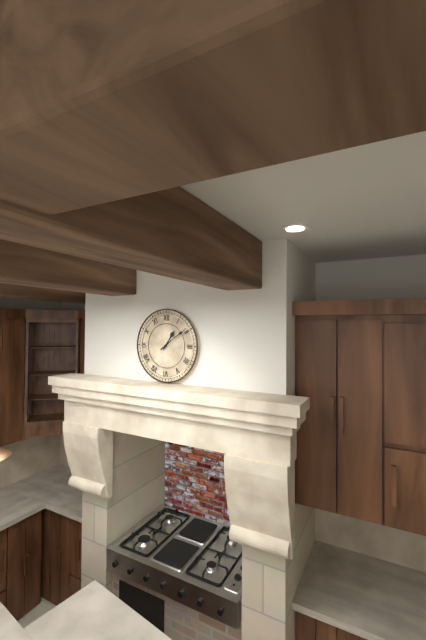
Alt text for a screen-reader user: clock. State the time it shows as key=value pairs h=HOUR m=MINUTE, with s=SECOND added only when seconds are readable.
h=1 m=9
